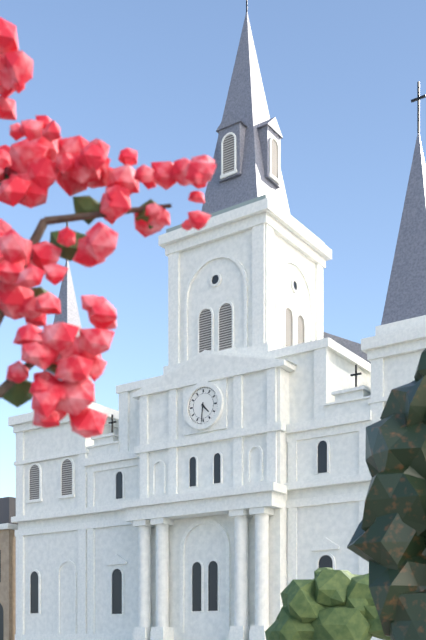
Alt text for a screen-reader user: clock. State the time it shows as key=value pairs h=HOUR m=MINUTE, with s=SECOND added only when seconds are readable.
h=4 m=31
